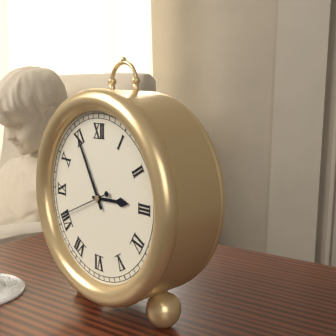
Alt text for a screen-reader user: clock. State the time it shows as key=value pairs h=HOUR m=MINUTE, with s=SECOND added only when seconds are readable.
h=2 m=55 s=41
